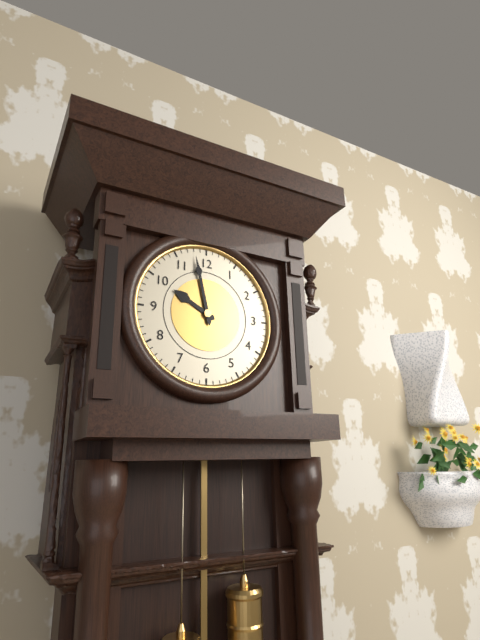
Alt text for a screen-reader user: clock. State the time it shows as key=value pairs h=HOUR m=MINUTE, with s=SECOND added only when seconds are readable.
h=9 m=58
